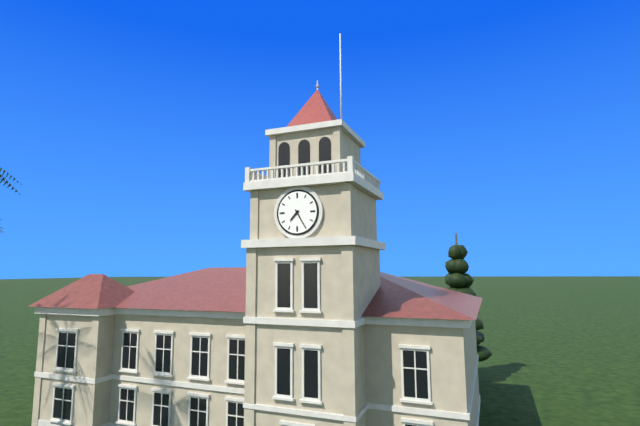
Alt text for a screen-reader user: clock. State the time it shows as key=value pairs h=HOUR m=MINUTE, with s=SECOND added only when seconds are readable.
h=7 m=25
